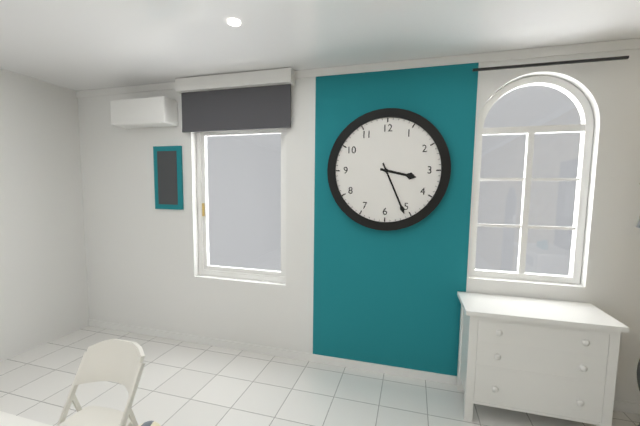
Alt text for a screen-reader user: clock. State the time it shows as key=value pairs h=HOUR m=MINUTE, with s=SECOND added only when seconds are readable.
h=3 m=26
